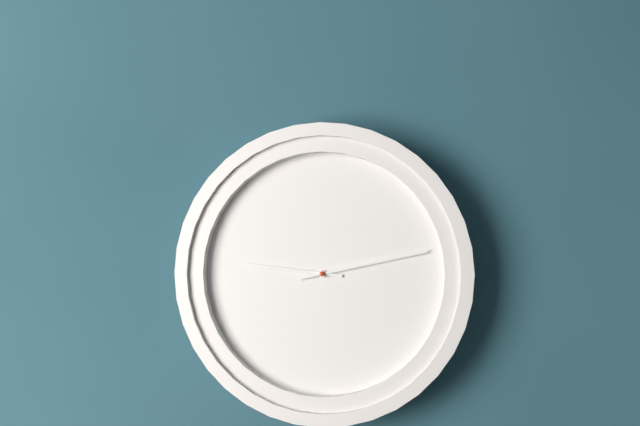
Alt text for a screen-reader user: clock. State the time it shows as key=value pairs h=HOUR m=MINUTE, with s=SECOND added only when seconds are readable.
h=9 m=13
